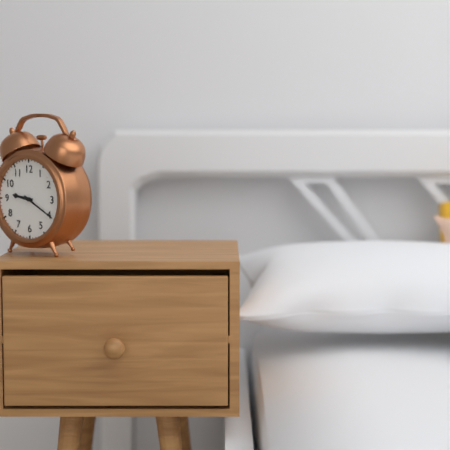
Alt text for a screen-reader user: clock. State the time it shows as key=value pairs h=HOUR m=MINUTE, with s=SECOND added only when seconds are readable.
h=9 m=20
